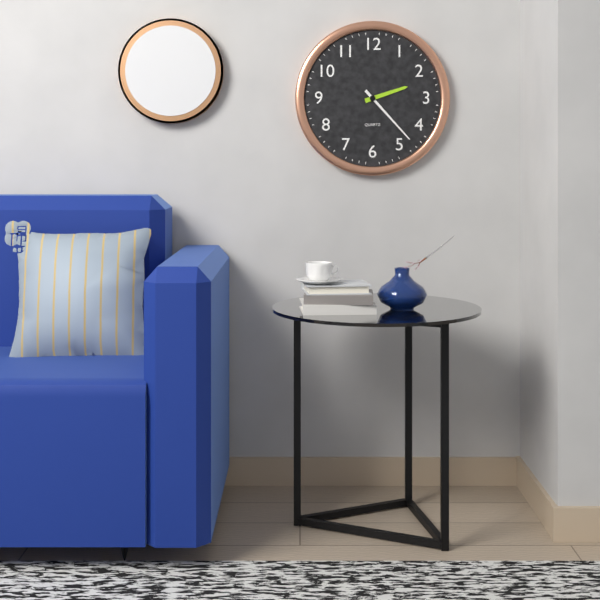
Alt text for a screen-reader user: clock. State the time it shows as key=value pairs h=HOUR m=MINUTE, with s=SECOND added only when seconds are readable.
h=2 m=23
